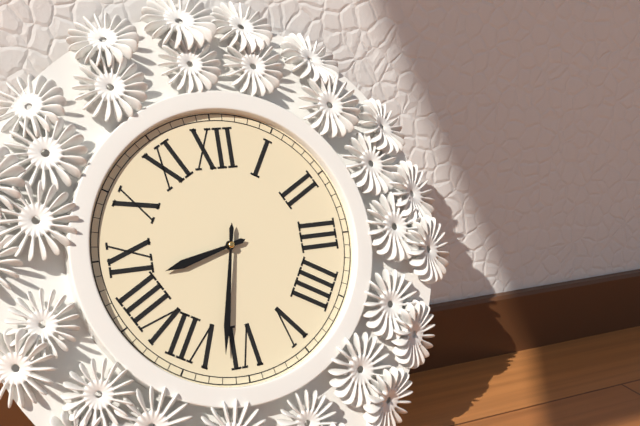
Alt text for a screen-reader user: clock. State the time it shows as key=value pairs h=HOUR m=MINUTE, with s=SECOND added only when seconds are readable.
h=8 m=32
